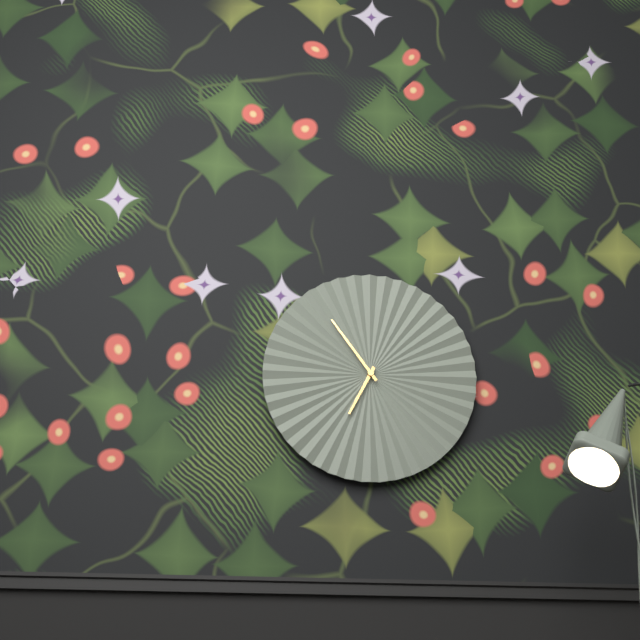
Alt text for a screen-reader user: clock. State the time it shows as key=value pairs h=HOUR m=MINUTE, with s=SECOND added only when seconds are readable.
h=6 m=54
